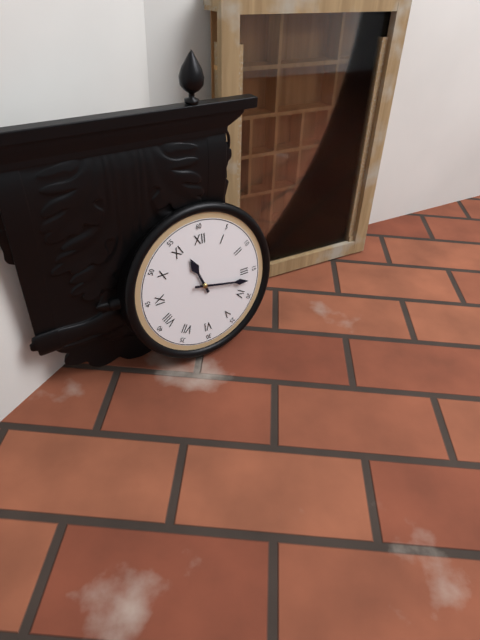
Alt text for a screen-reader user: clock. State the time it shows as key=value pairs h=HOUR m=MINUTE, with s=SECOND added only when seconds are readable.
h=11 m=17
